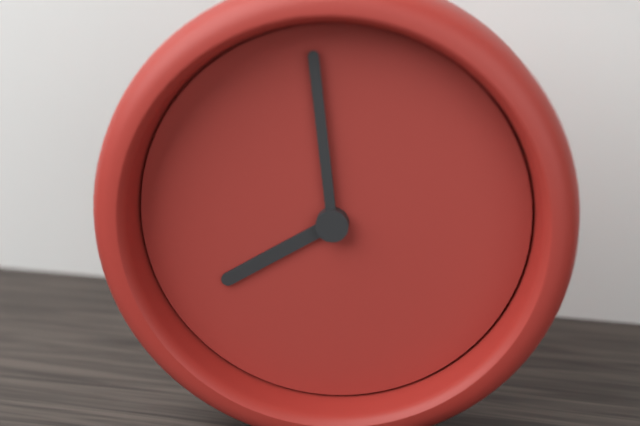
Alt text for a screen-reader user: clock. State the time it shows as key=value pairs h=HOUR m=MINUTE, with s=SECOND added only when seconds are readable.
h=7 m=59
